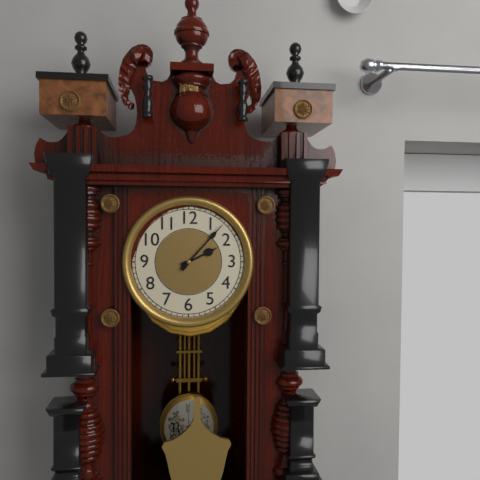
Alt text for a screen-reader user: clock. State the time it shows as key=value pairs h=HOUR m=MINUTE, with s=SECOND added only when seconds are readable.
h=2 m=7
